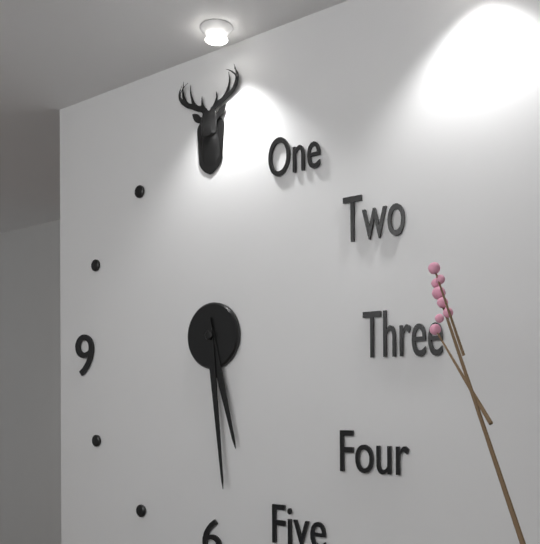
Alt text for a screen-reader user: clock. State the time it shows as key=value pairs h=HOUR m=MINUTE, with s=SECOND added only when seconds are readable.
h=5 m=29
